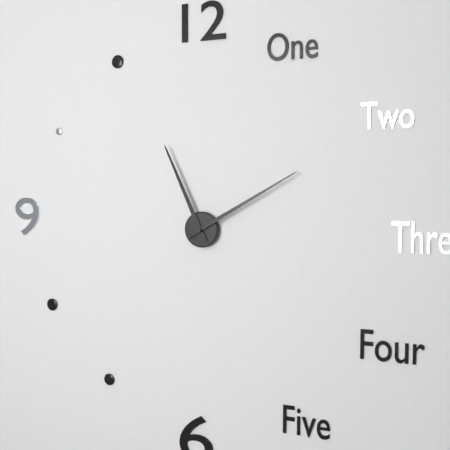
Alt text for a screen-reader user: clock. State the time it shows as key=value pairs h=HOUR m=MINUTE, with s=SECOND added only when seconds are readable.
h=11 m=10
